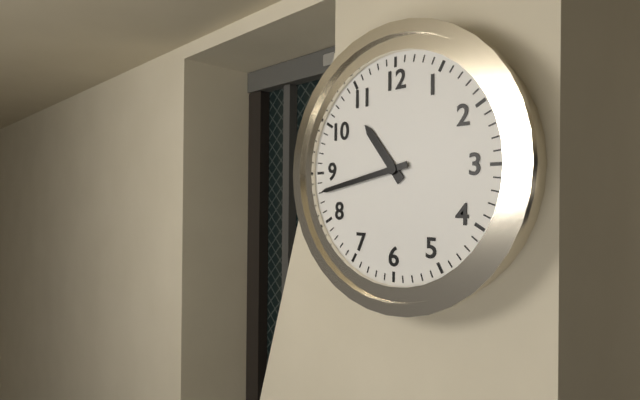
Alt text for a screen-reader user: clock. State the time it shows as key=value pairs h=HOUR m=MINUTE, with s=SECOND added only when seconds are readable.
h=10 m=43
